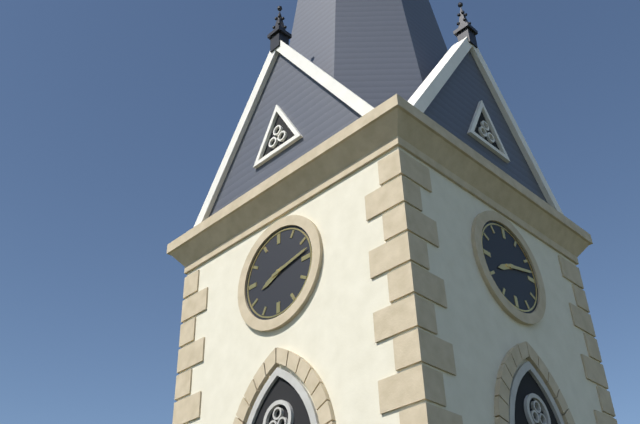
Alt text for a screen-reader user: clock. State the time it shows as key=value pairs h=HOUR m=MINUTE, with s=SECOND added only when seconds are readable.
h=8 m=13
